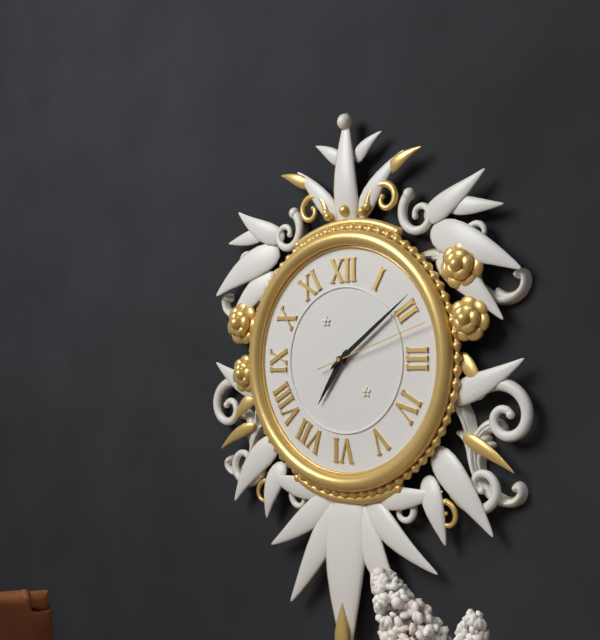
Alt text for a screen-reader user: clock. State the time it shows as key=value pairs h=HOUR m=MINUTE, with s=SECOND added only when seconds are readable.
h=7 m=9 s=12
